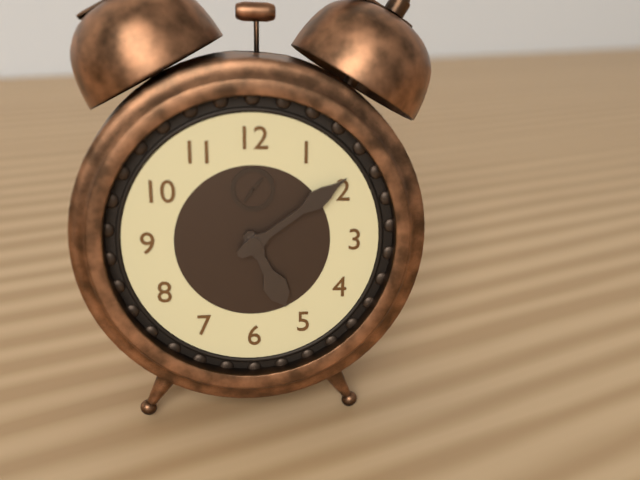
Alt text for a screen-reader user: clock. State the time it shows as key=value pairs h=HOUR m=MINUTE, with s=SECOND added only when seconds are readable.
h=5 m=9
